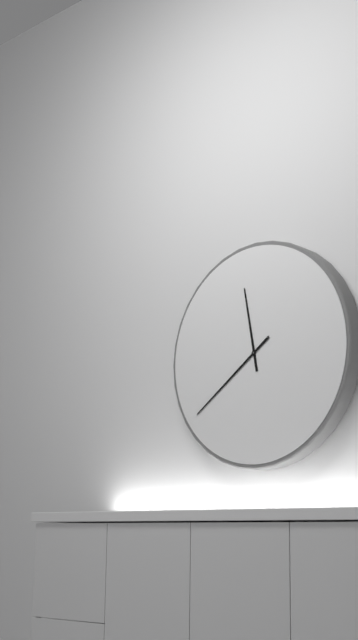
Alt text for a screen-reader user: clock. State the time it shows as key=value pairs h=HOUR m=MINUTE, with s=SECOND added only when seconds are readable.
h=11 m=39
